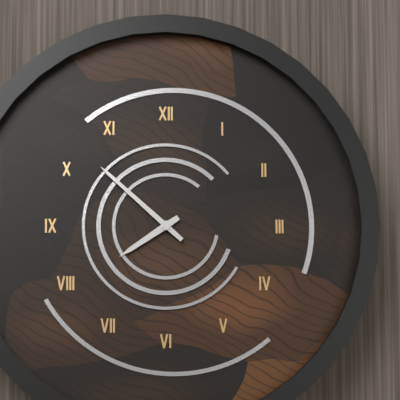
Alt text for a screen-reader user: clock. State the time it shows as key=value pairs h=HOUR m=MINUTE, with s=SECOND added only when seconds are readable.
h=7 m=52
